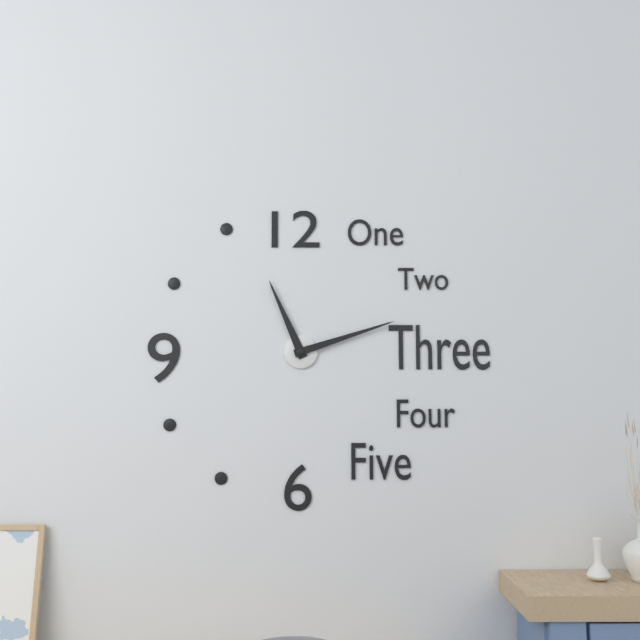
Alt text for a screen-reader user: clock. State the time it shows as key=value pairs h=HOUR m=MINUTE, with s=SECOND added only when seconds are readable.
h=11 m=12
